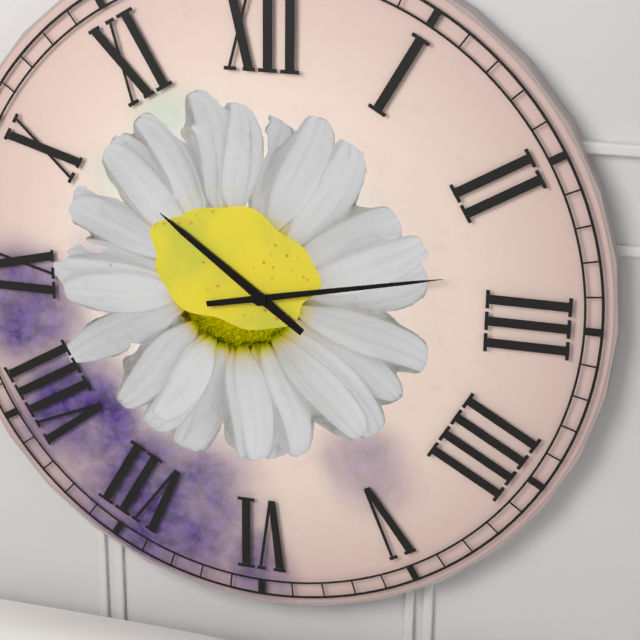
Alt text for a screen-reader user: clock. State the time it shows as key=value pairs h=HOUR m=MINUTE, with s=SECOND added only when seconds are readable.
h=10 m=13
